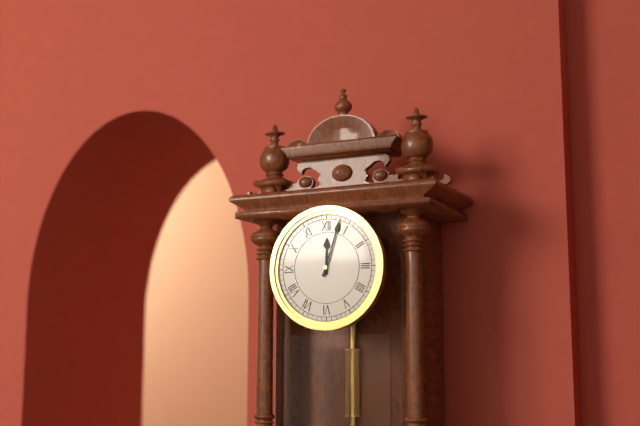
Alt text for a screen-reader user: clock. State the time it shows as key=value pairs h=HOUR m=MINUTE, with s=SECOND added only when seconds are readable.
h=12 m=3
